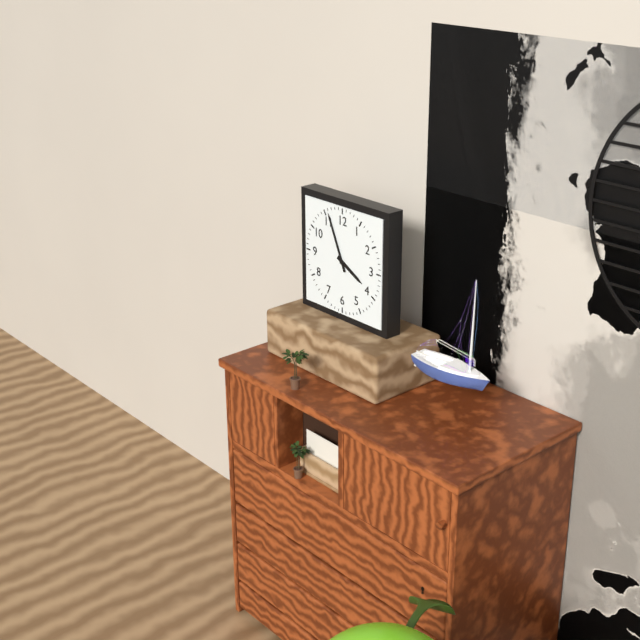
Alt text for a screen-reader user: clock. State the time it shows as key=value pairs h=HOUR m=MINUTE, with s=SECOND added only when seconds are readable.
h=3 m=56
